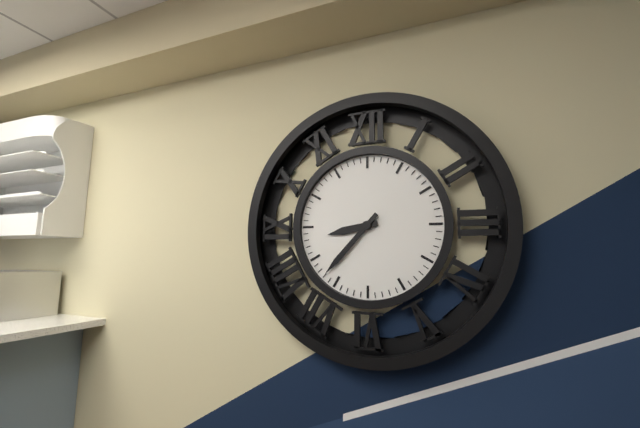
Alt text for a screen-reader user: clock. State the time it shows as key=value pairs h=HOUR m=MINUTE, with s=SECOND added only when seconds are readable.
h=8 m=37
